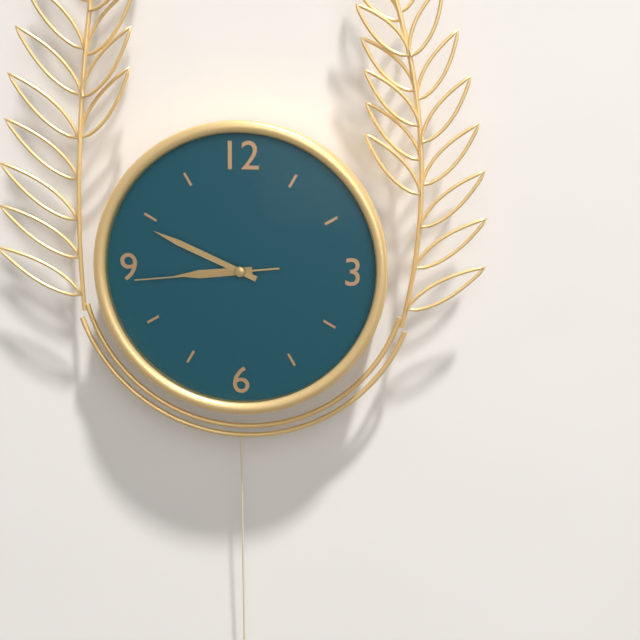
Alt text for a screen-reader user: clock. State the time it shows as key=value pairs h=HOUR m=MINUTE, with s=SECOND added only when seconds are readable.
h=8 m=49 s=44
